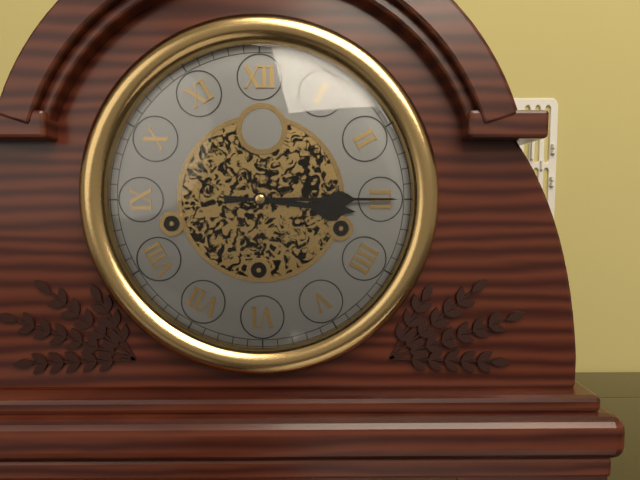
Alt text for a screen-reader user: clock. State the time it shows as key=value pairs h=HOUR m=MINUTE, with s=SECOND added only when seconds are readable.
h=3 m=15
